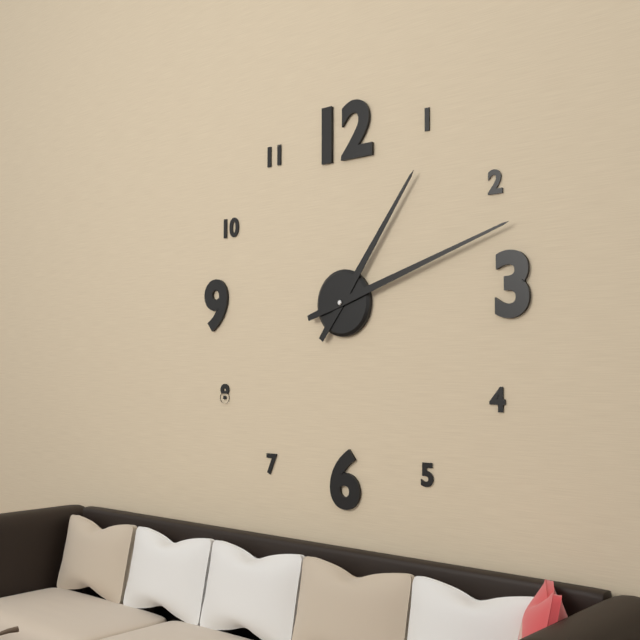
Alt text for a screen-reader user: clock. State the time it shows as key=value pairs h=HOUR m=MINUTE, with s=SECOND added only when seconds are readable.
h=1 m=12
